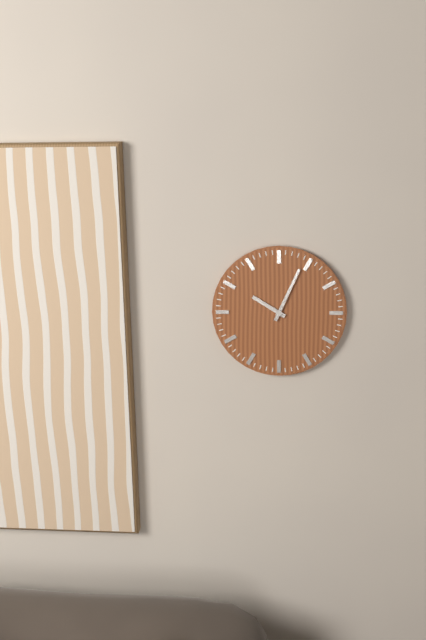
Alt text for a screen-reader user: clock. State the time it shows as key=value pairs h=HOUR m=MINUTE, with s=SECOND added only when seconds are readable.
h=10 m=4
